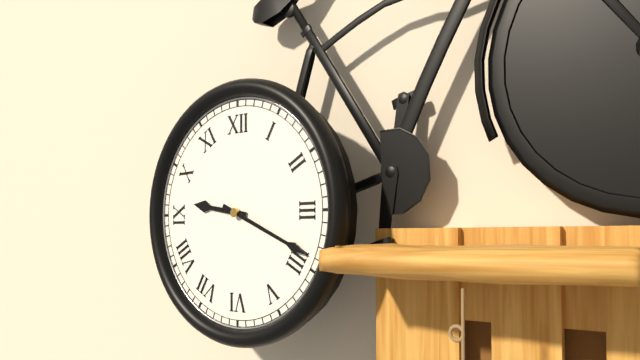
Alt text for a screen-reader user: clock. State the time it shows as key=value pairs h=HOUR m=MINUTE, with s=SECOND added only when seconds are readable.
h=9 m=19
